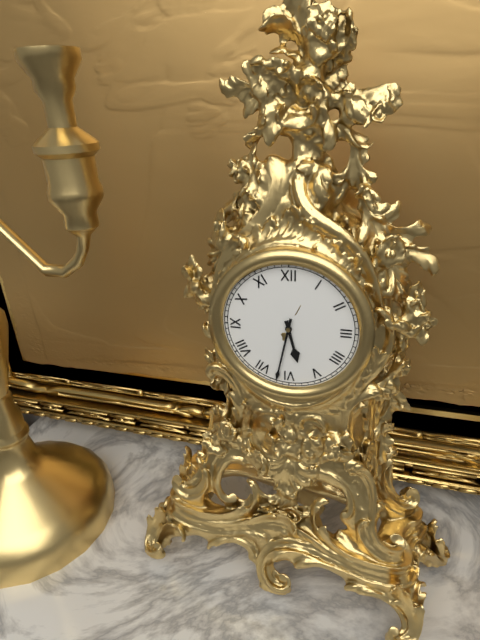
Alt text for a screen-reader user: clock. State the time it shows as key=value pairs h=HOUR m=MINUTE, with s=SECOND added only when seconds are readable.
h=5 m=32
